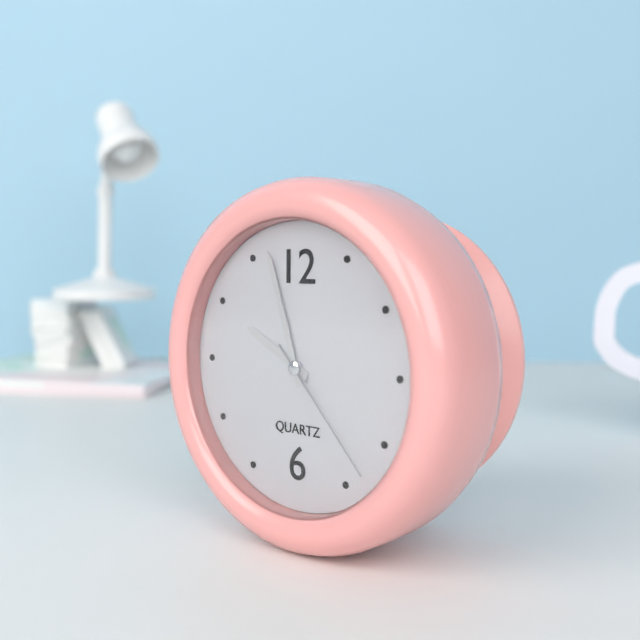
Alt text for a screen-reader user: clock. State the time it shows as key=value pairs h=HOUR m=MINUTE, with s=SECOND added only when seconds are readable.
h=9 m=57 s=23
